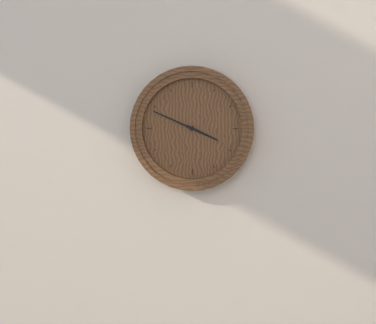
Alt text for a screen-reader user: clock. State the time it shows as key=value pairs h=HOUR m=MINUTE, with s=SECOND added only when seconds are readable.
h=3 m=49
